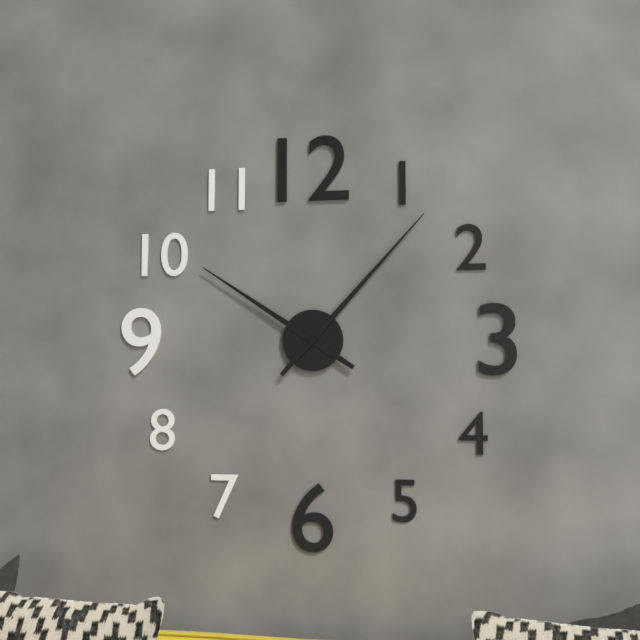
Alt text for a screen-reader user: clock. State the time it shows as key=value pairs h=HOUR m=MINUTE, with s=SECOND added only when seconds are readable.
h=10 m=7
